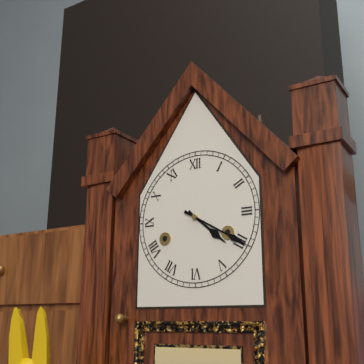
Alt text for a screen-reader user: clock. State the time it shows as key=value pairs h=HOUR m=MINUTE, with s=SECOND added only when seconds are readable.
h=4 m=20
